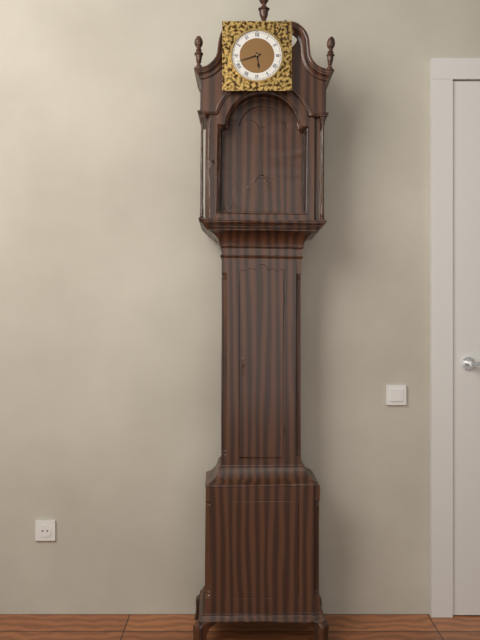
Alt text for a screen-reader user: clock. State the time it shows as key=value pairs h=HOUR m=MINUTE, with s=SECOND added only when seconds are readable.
h=5 m=42
